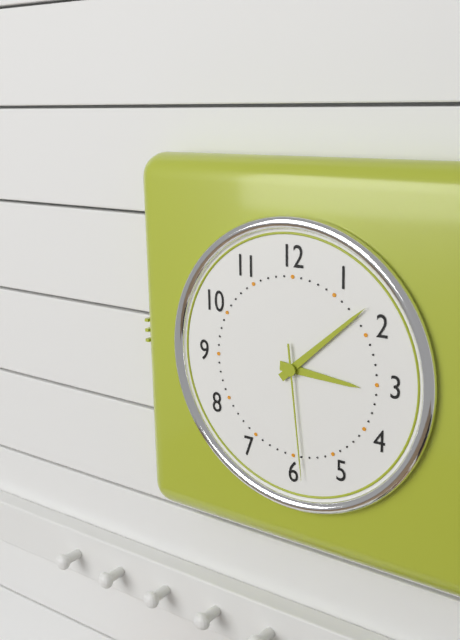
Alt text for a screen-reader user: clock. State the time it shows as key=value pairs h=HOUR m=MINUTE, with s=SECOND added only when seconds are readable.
h=3 m=8 s=29
